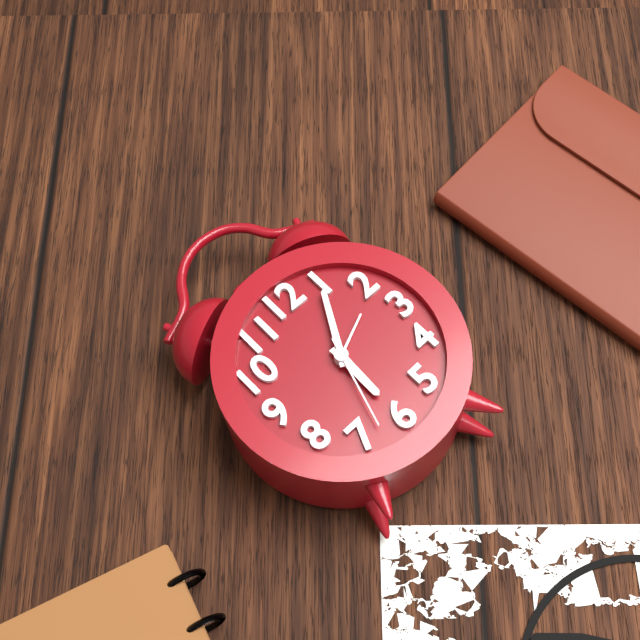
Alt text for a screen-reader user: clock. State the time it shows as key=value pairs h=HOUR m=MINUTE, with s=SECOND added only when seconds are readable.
h=6 m=5 s=33
